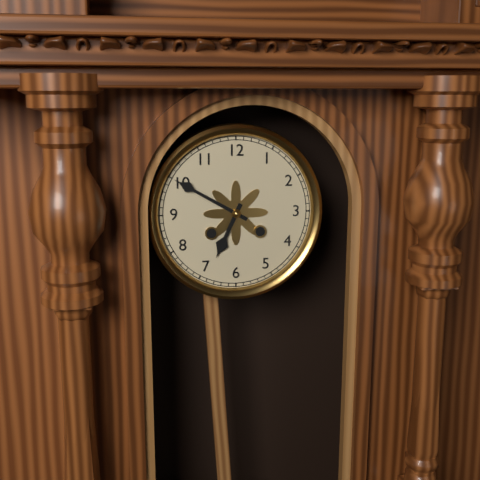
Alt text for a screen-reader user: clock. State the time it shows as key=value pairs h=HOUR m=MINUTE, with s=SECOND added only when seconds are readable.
h=6 m=50
